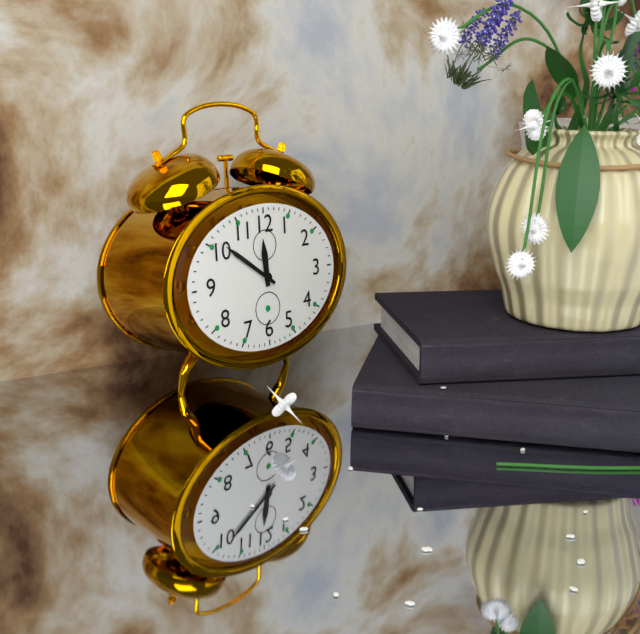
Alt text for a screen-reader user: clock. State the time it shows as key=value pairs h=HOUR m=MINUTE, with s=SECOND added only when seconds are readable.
h=11 m=51
